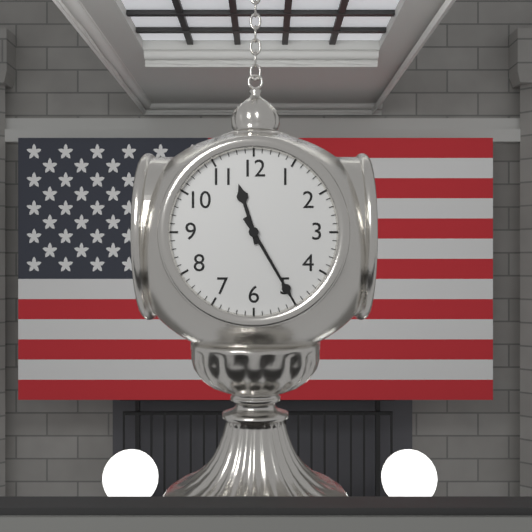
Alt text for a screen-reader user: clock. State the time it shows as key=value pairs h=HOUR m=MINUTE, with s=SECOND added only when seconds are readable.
h=11 m=25
